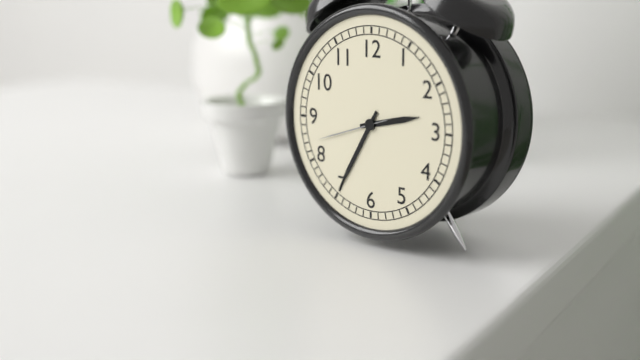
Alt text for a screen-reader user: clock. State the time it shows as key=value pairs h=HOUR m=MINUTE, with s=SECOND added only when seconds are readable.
h=2 m=35 s=42
